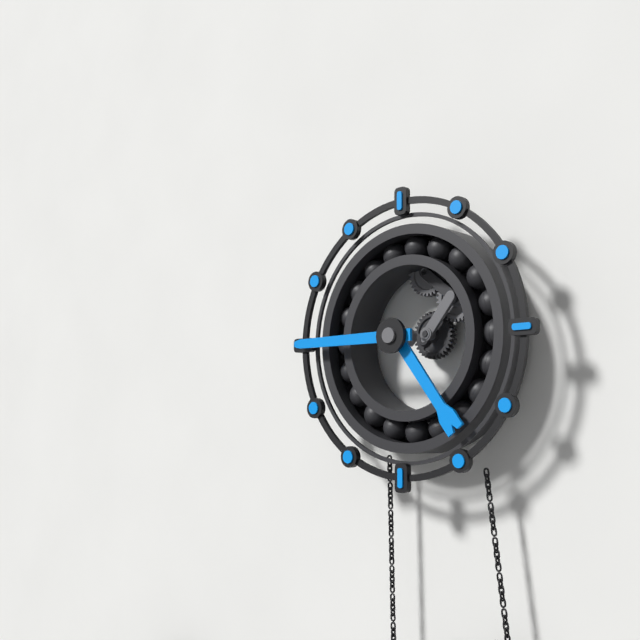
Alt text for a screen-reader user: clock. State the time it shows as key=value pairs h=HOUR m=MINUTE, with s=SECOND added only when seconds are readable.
h=4 m=45
